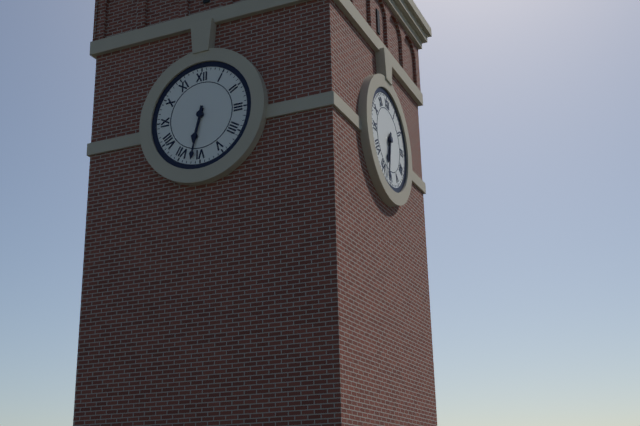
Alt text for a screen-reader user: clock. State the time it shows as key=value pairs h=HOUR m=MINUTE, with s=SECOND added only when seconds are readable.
h=6 m=32
